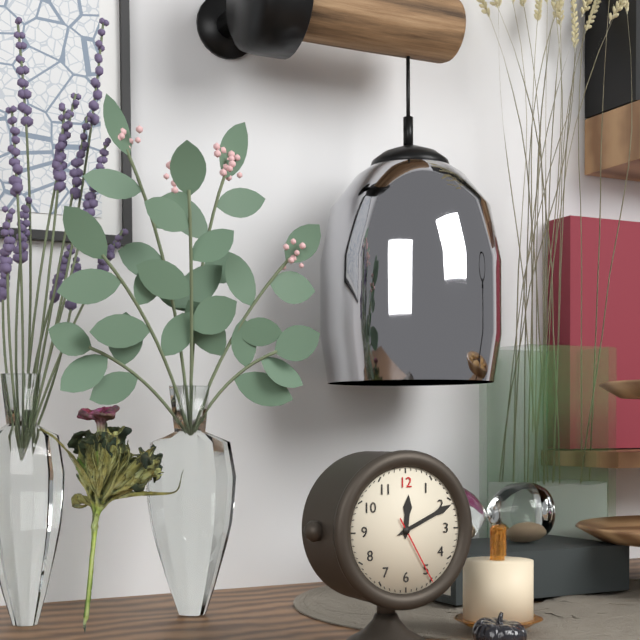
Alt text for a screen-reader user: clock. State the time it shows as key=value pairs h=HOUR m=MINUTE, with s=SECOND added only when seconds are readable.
h=12 m=11 s=25
